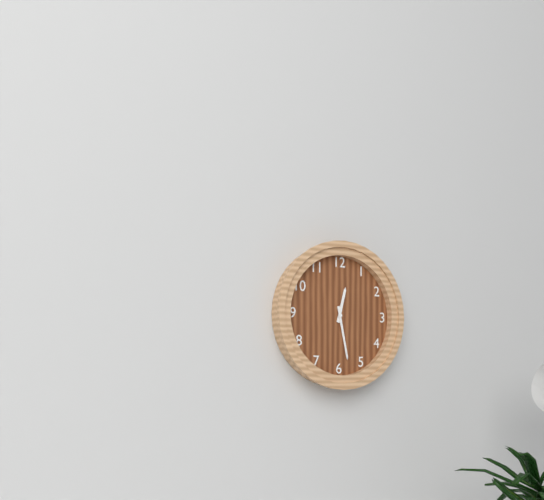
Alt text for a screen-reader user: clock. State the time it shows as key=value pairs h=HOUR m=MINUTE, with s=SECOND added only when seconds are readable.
h=12 m=28
